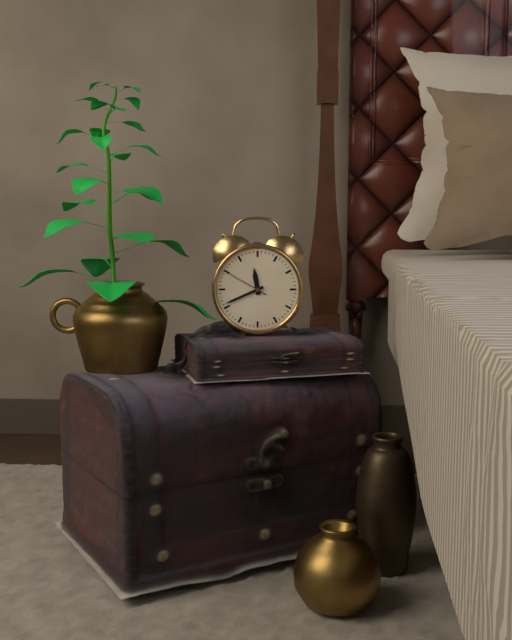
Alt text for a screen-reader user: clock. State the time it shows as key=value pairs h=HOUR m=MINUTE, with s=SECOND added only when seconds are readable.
h=11 m=41
